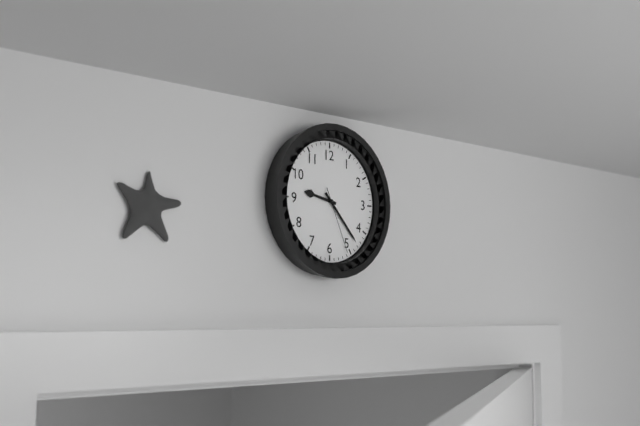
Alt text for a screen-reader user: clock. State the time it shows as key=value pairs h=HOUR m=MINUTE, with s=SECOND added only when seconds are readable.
h=9 m=23 s=26
